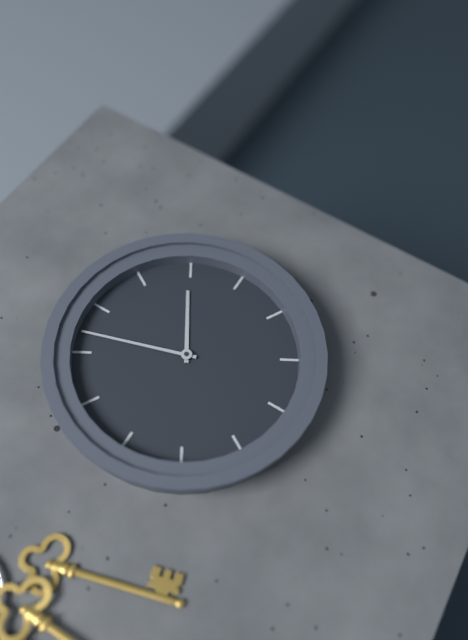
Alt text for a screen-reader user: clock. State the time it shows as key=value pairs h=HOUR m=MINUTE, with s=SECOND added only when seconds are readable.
h=1 m=57
